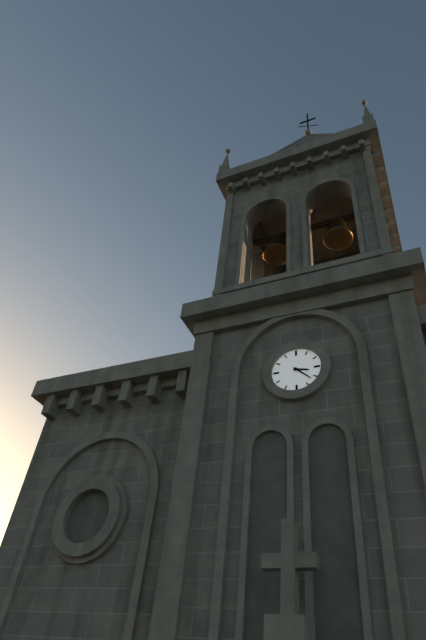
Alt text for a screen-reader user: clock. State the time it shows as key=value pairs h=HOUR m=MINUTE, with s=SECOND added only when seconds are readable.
h=3 m=22
